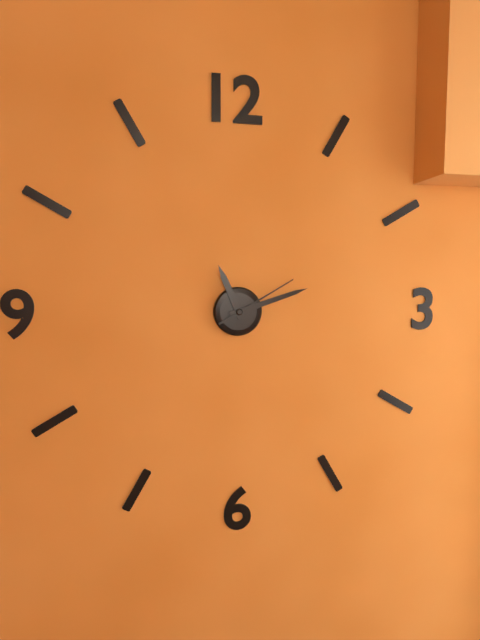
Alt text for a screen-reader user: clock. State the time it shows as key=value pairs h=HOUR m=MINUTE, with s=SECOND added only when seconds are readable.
h=11 m=12 s=10
